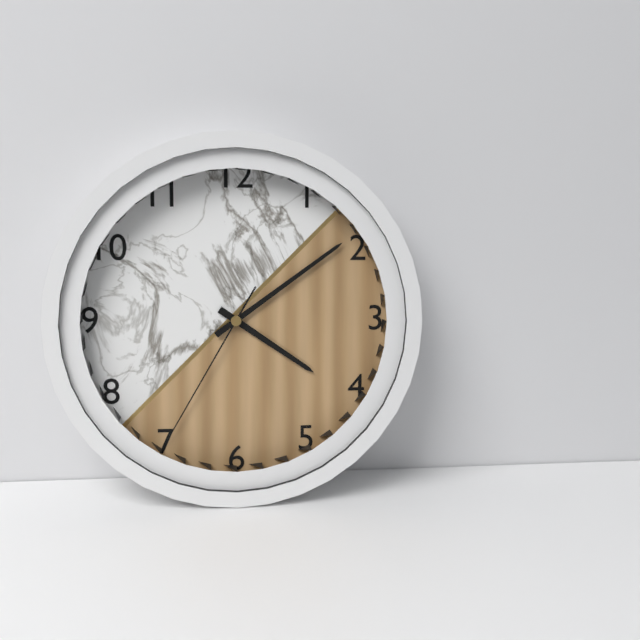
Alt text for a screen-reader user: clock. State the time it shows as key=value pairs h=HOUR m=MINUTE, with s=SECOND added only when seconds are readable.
h=4 m=9 s=35
